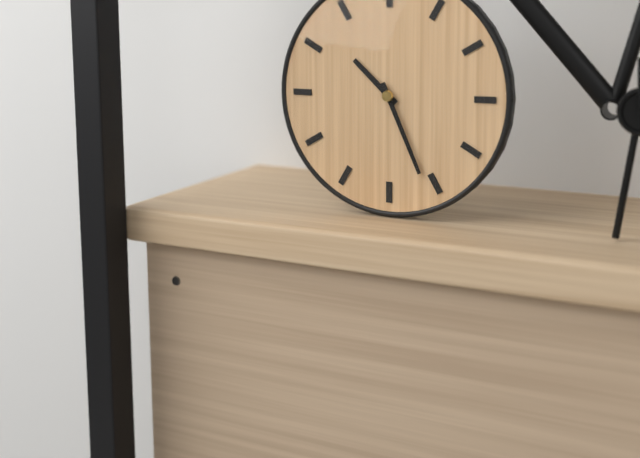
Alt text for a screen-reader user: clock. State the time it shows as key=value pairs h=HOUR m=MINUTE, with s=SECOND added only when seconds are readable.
h=10 m=26
